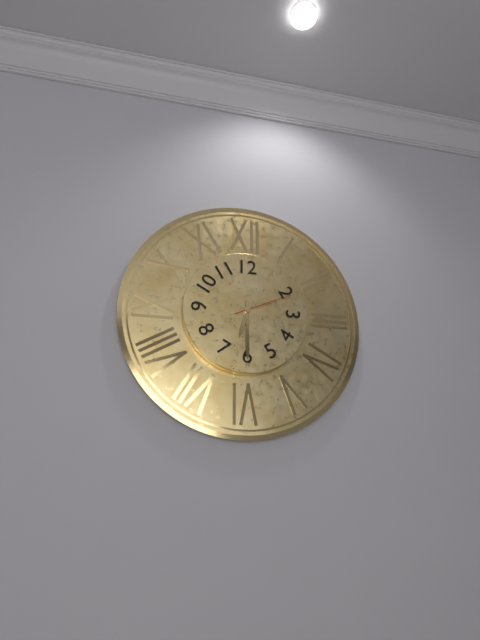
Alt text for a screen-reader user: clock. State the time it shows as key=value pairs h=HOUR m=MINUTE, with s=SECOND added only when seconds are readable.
h=6 m=30 s=11
